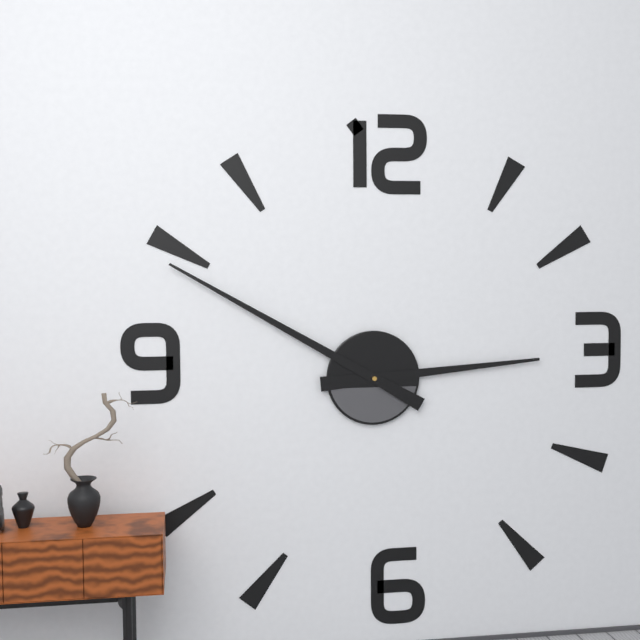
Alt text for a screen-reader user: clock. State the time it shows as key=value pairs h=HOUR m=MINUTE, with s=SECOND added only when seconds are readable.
h=2 m=50
